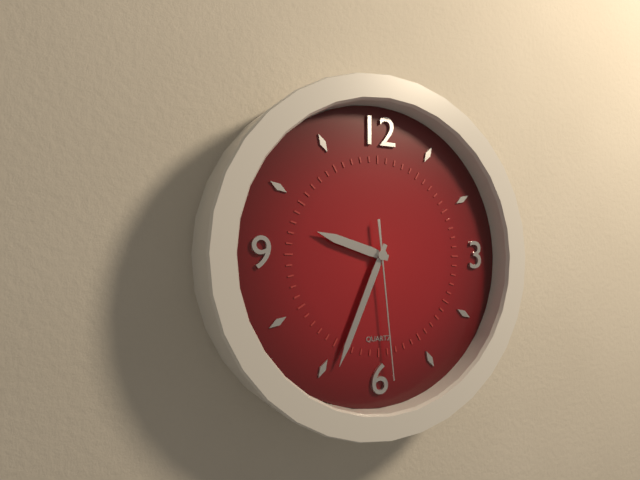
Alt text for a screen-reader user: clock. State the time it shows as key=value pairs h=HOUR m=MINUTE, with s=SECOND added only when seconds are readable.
h=9 m=34 s=29
